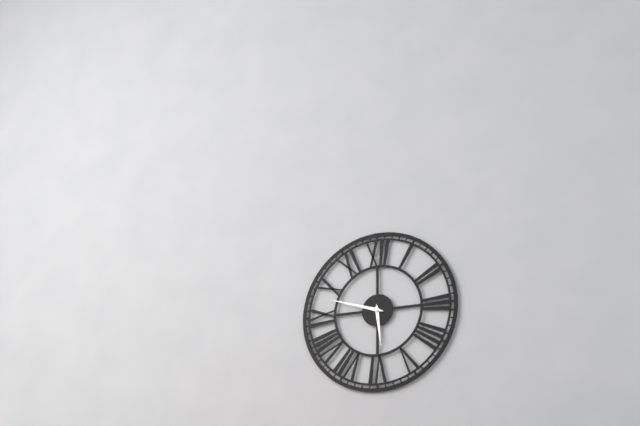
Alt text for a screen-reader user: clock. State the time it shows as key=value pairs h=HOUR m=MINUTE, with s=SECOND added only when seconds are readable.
h=5 m=48
